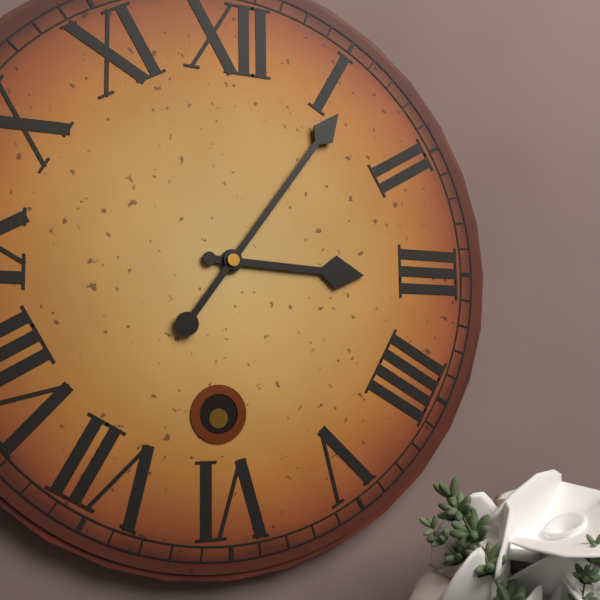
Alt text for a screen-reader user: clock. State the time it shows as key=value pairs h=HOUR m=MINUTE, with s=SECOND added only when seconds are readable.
h=3 m=6
